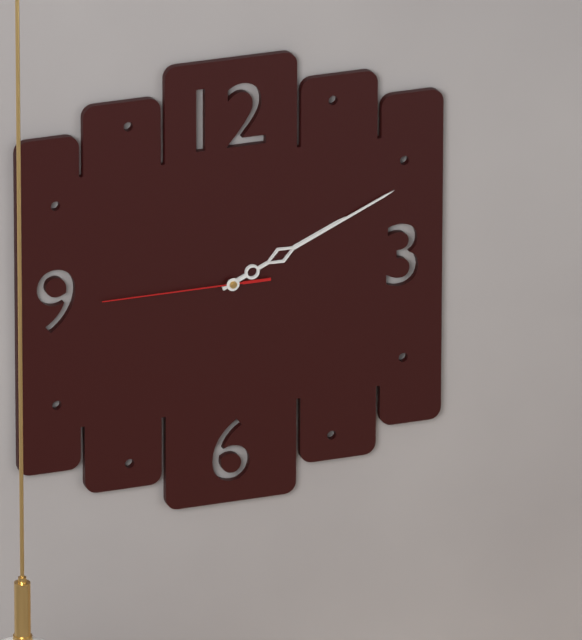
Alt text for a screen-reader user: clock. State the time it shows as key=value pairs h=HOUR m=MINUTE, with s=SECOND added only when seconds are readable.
h=2 m=11 s=45
